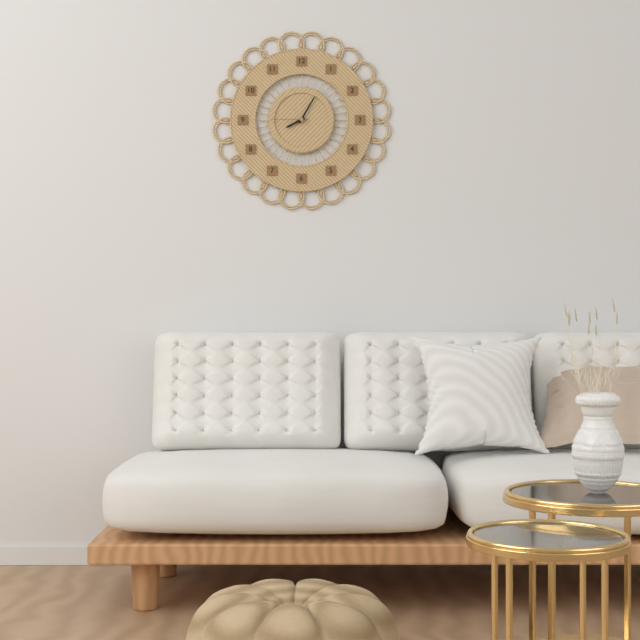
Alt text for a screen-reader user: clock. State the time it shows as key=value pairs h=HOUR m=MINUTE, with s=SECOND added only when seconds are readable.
h=8 m=5
